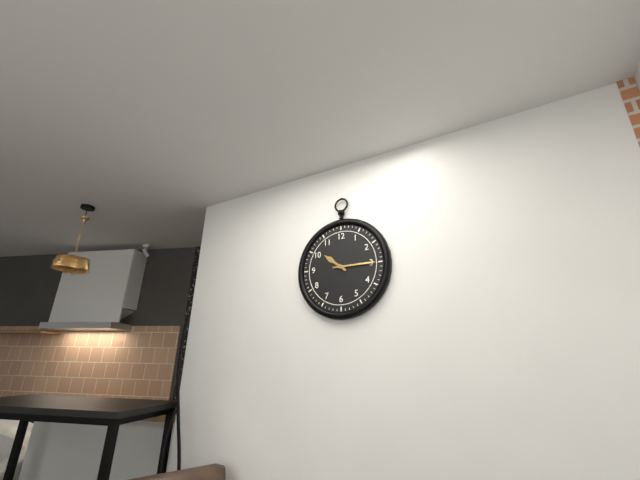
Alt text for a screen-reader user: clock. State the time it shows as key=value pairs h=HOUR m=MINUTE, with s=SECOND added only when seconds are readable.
h=10 m=15
